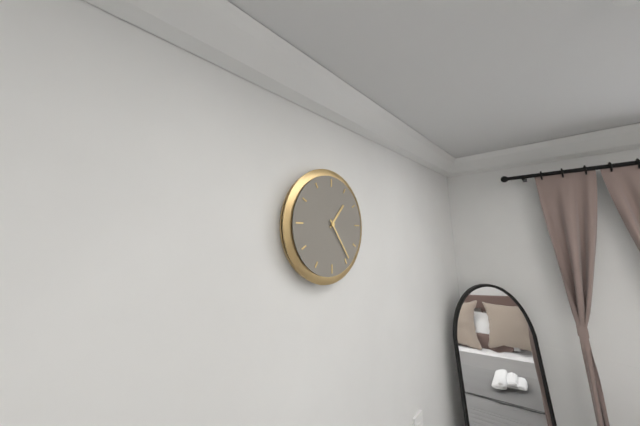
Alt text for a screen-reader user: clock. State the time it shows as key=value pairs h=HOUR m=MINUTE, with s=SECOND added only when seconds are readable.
h=1 m=24
